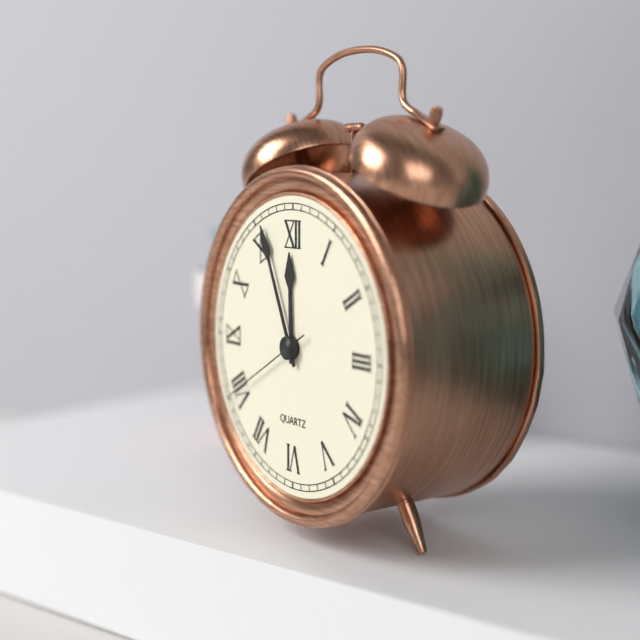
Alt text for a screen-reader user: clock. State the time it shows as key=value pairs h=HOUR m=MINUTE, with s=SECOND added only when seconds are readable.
h=11 m=56 s=40
